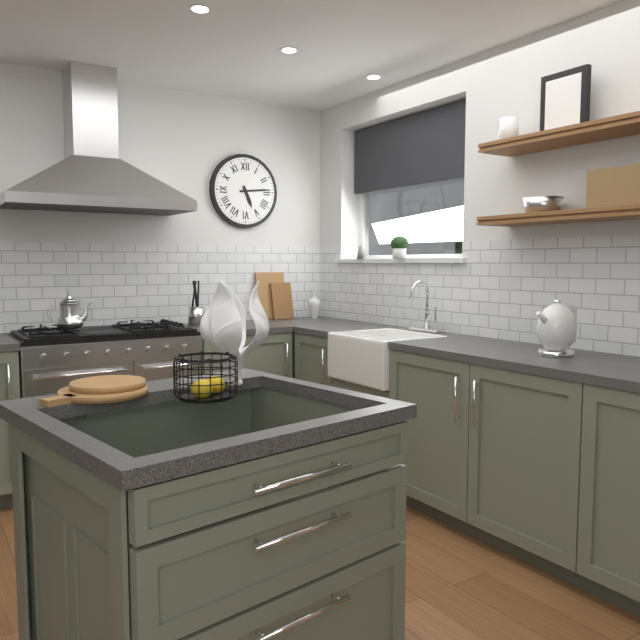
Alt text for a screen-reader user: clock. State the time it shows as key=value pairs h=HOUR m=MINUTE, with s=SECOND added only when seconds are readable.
h=5 m=14
